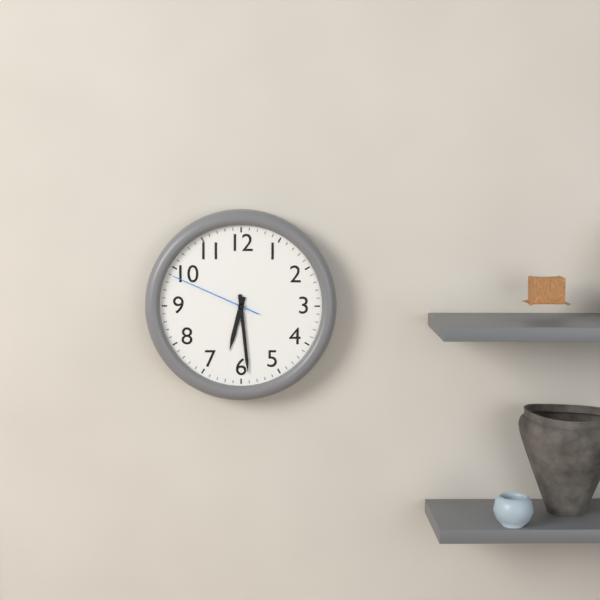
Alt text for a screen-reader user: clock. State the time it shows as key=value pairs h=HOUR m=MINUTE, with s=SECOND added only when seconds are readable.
h=6 m=29 s=49
